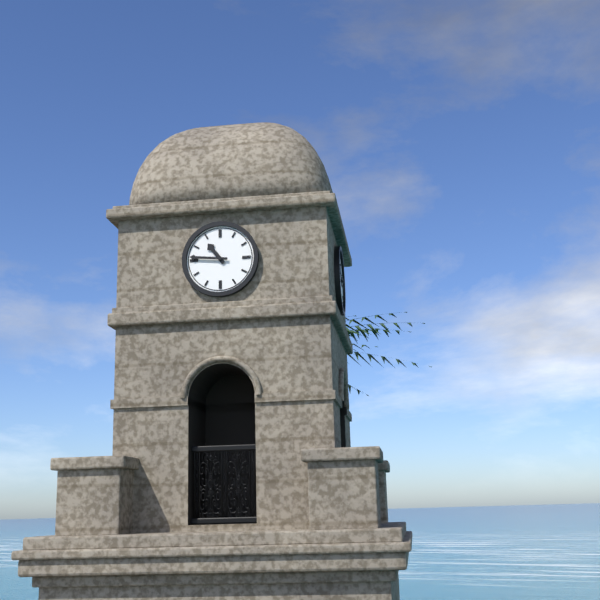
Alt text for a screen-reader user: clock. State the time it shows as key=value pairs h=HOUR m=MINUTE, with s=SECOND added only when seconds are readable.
h=10 m=46
